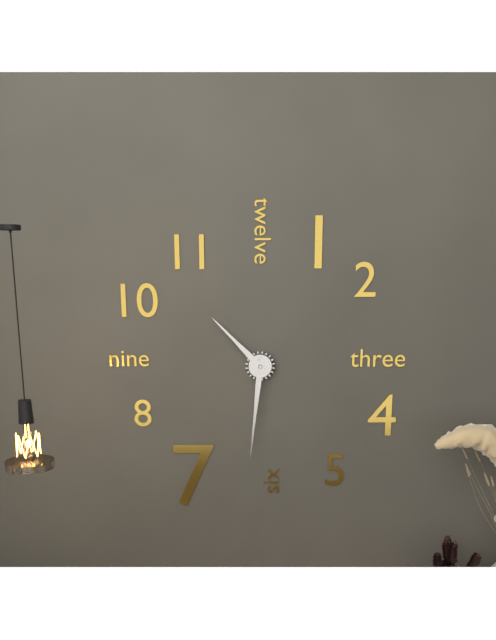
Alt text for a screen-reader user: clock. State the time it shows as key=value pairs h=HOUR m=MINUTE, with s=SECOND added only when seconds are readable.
h=10 m=31
